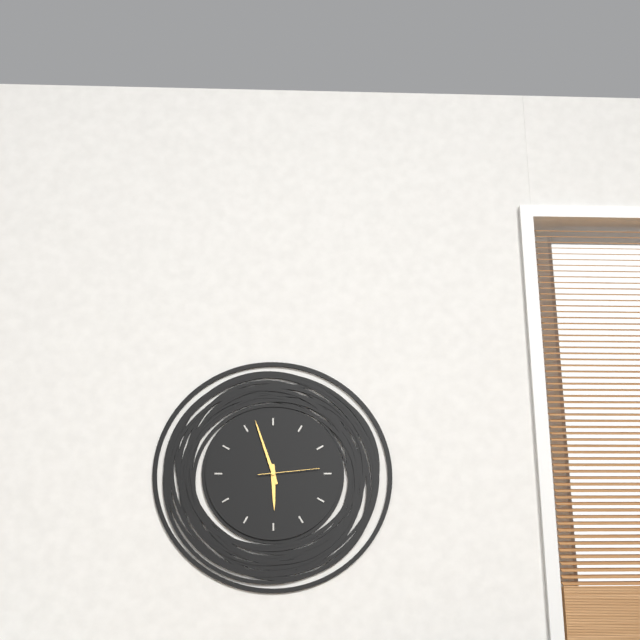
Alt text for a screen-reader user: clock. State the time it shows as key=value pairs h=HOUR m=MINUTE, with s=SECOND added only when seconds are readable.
h=5 m=57 s=14
